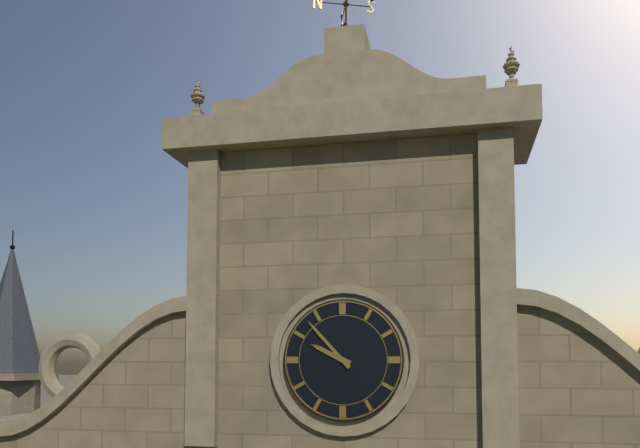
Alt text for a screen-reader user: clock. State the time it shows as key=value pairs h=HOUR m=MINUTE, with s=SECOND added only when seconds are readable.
h=9 m=53
